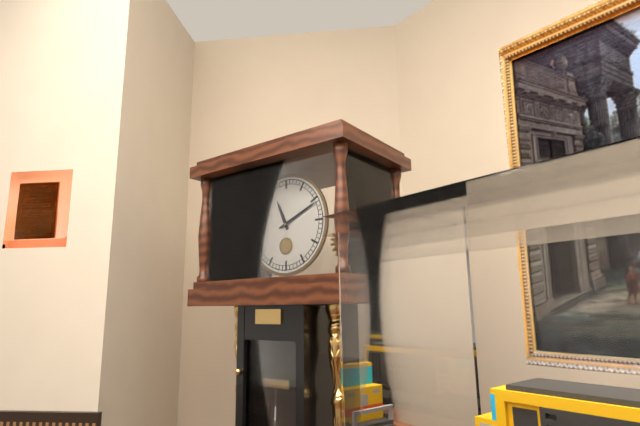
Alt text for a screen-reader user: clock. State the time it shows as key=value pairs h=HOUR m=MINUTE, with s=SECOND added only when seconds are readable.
h=11 m=11
